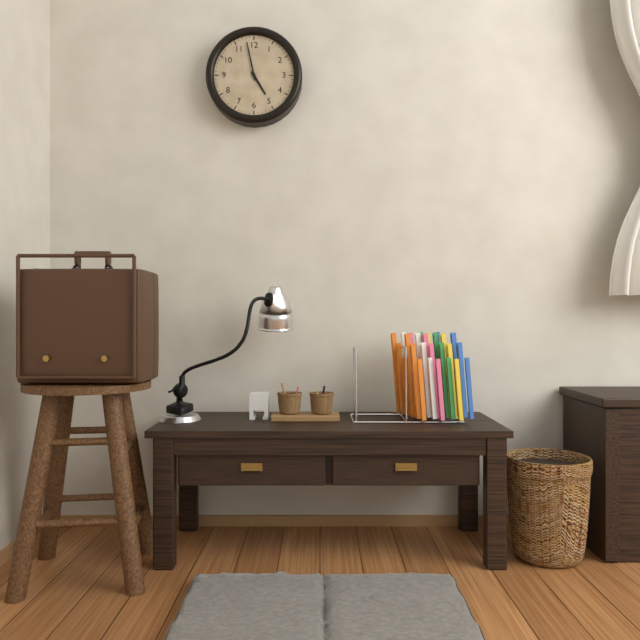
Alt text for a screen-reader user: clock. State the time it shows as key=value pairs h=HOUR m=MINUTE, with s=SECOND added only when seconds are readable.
h=4 m=58
